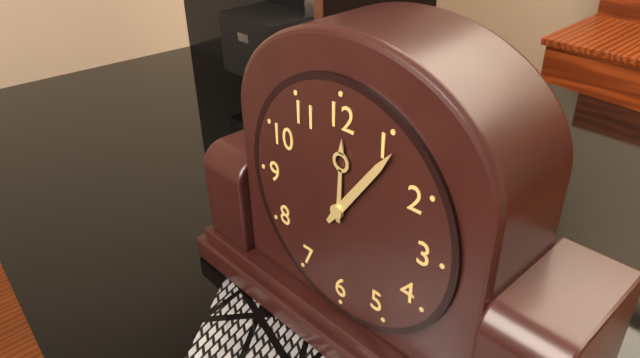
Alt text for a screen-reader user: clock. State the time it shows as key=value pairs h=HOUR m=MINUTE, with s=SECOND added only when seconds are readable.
h=12 m=6
